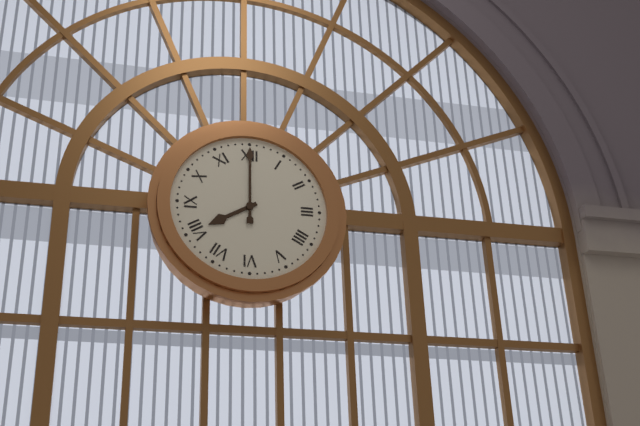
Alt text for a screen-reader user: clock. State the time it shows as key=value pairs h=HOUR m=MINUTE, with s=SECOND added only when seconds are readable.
h=8 m=0
